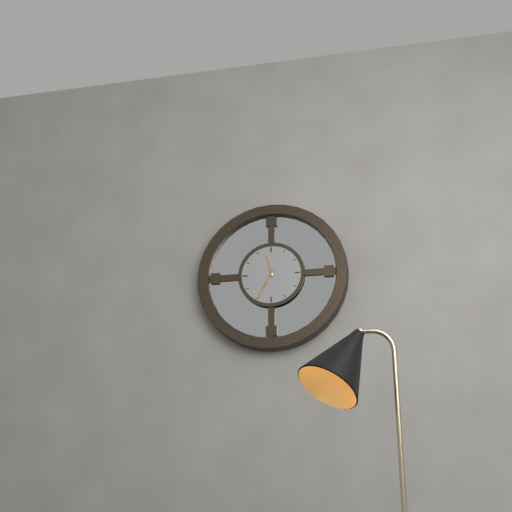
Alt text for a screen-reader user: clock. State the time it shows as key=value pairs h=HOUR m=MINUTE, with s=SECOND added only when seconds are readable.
h=11 m=35
